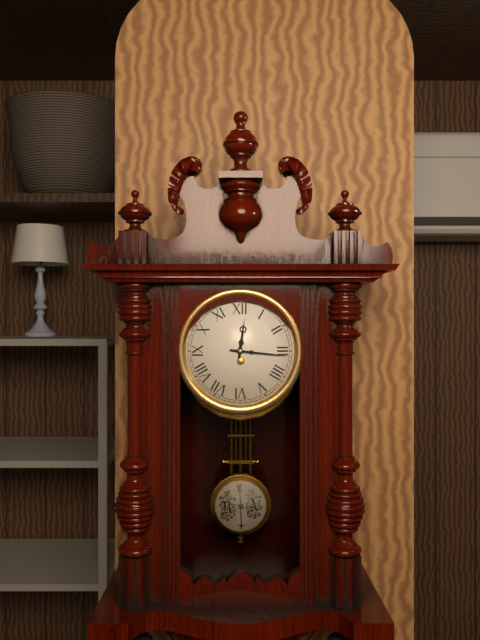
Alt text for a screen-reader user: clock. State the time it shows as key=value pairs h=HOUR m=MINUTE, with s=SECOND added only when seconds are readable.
h=12 m=16
